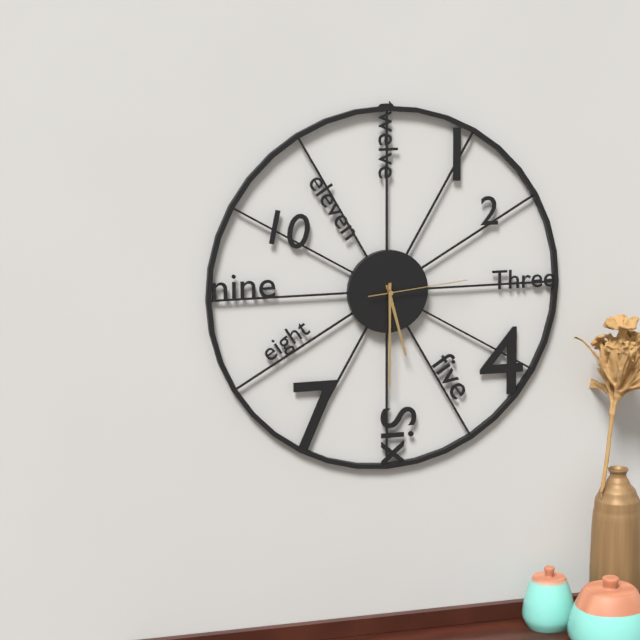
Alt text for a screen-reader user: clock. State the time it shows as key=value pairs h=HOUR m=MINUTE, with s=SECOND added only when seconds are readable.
h=5 m=30 s=14
